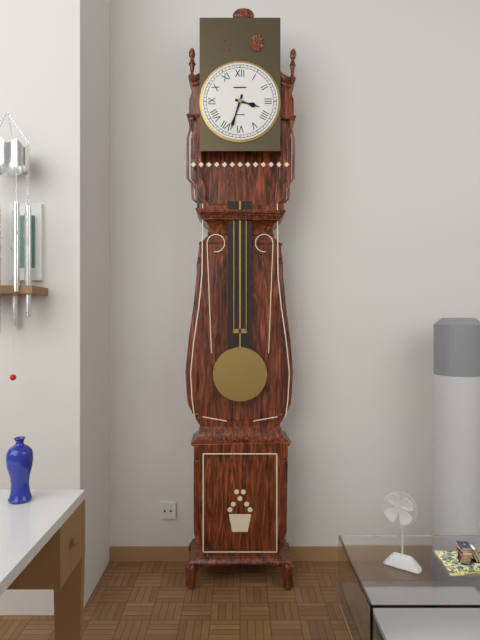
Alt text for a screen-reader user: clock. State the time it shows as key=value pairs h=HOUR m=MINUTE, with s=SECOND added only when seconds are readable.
h=3 m=33
